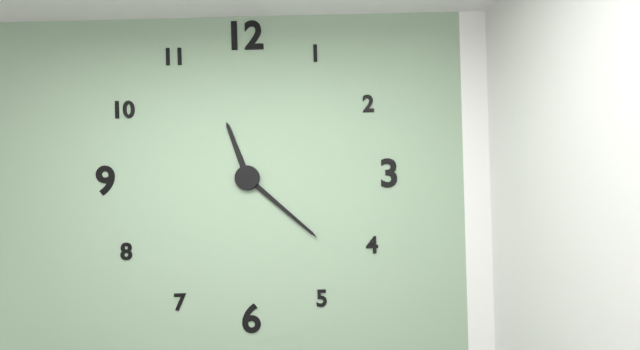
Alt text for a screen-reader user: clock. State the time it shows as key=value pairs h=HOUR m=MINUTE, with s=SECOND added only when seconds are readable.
h=11 m=22
